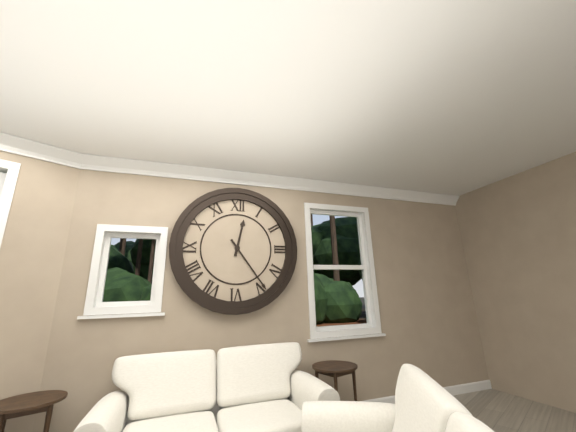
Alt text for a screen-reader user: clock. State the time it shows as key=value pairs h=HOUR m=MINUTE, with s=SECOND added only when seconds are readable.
h=12 m=24
